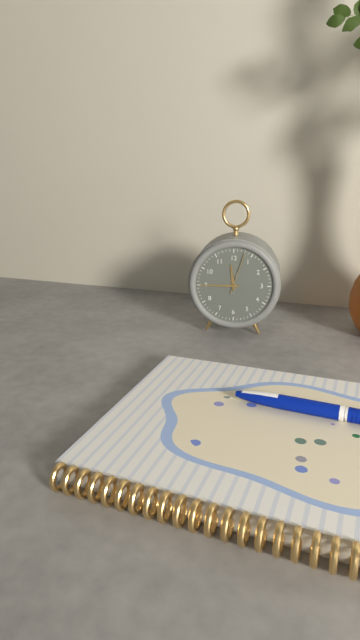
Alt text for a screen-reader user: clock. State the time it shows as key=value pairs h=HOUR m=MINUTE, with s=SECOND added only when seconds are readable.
h=11 m=45
